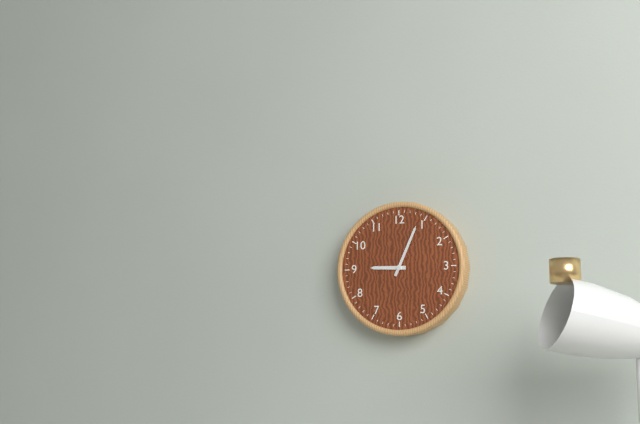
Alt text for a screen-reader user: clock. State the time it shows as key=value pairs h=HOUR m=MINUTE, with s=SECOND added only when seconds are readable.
h=9 m=4
